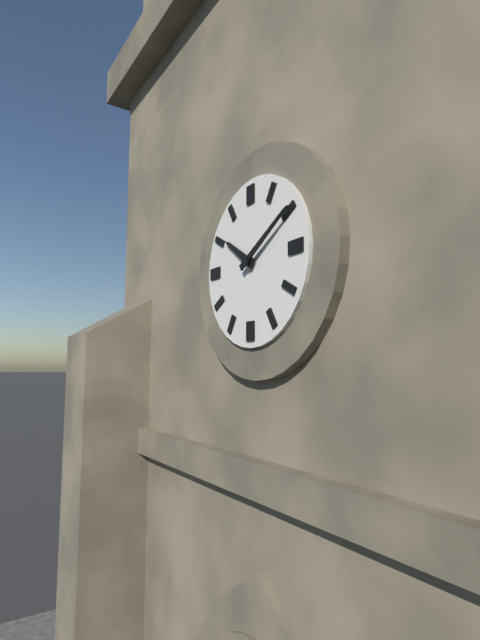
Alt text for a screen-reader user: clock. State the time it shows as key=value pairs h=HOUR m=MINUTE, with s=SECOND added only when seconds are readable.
h=10 m=10
